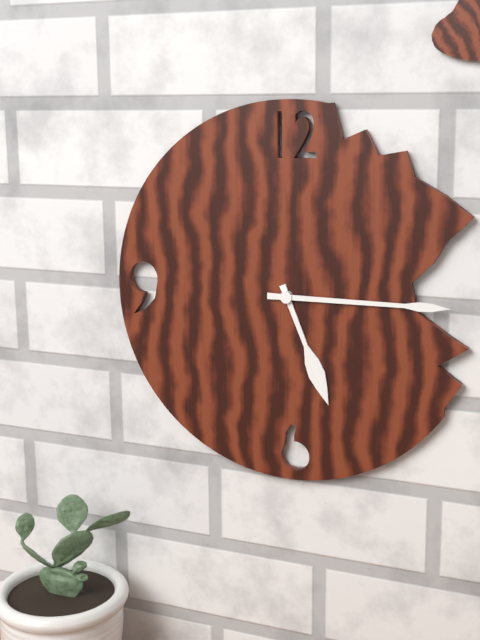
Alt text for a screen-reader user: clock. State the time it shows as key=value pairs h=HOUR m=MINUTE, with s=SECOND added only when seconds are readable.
h=5 m=15
